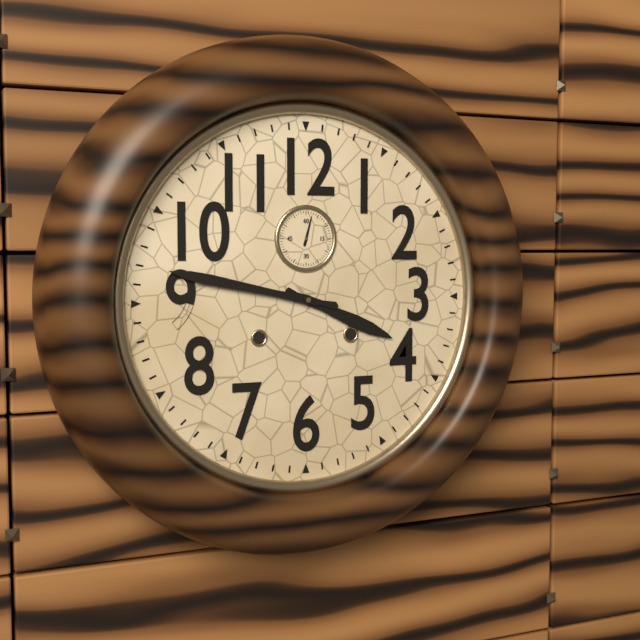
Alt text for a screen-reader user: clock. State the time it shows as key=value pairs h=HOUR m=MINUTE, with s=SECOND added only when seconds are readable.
h=3 m=47
